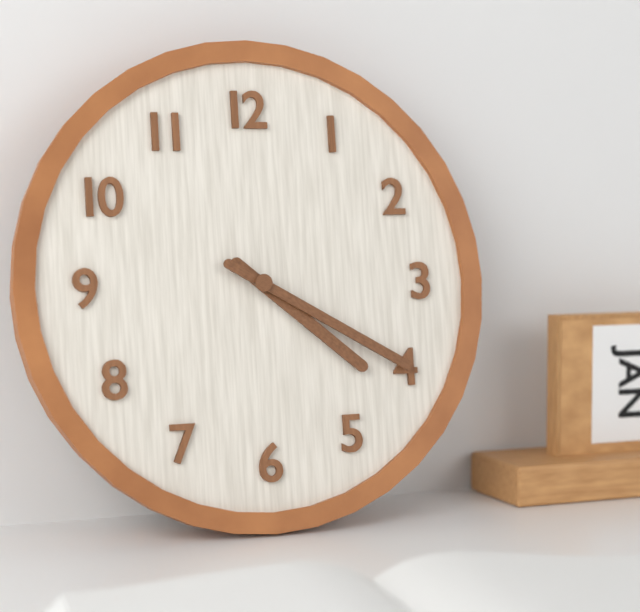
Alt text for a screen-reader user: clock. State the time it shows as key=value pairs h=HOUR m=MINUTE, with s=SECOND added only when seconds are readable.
h=4 m=20
